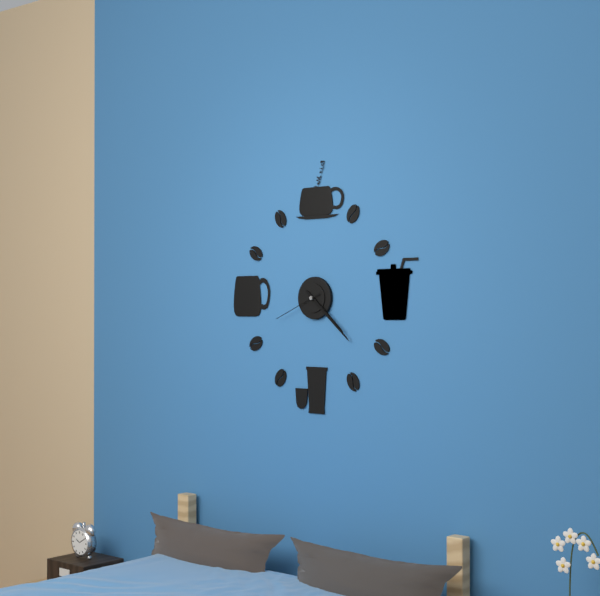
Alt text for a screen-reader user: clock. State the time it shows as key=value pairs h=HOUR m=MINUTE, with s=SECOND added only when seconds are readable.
h=4 m=22 s=41
